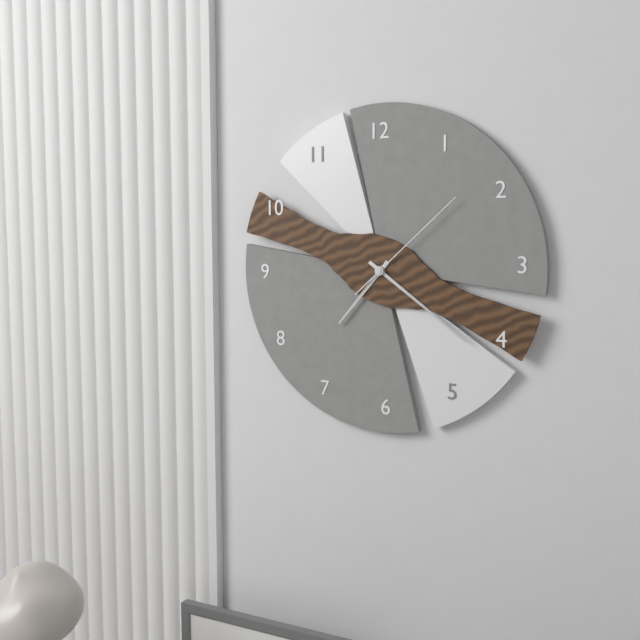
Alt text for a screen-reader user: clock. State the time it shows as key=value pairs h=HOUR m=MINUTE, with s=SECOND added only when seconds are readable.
h=7 m=21 s=8
